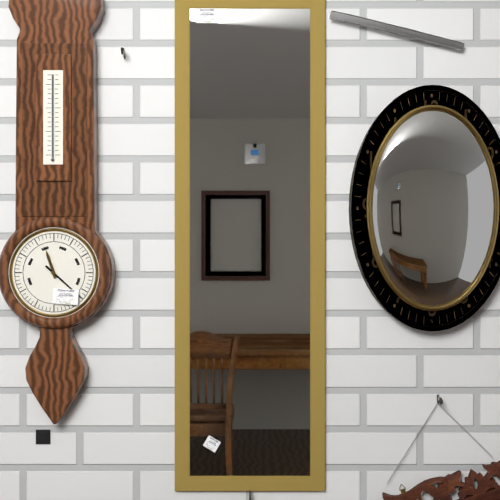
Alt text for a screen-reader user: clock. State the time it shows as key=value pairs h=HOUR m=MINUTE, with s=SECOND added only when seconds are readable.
h=11 m=22
